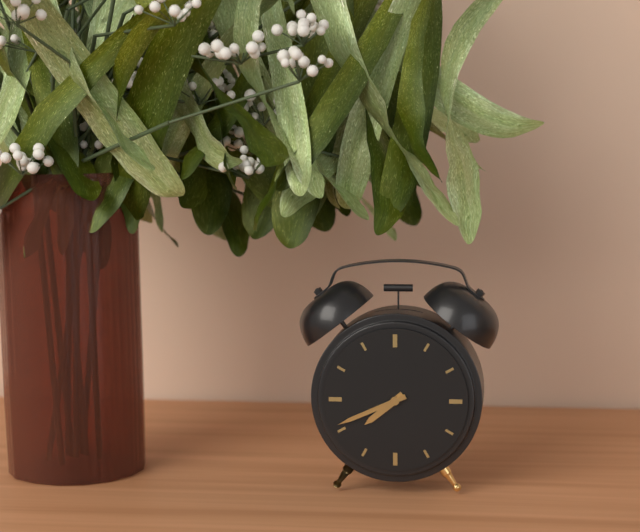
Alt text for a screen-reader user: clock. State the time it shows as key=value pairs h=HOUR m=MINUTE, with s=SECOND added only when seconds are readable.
h=7 m=41
